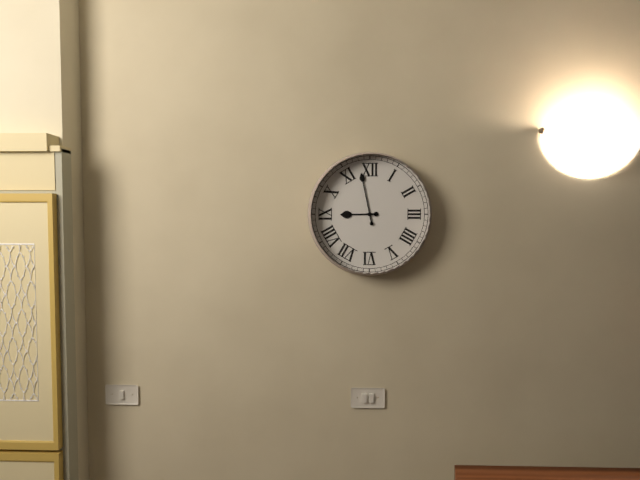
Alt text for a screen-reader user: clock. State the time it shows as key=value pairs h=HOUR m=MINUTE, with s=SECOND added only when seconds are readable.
h=8 m=58
